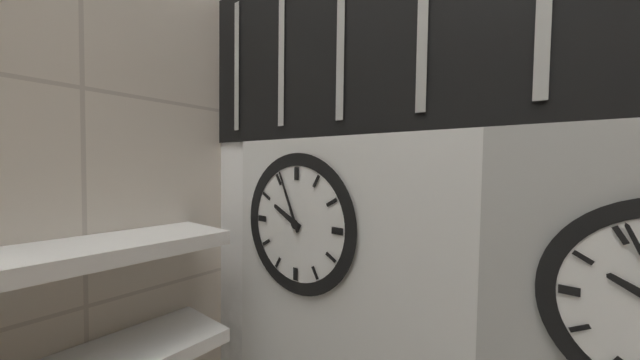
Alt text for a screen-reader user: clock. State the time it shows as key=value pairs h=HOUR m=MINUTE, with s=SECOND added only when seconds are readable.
h=9 m=56
